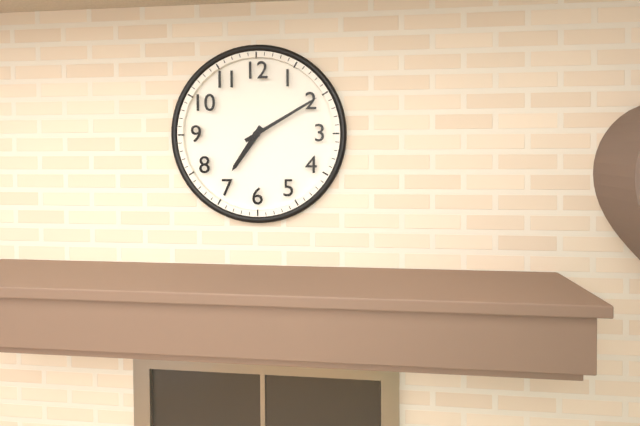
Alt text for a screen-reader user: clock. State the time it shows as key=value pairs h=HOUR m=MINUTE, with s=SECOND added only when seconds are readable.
h=7 m=10
